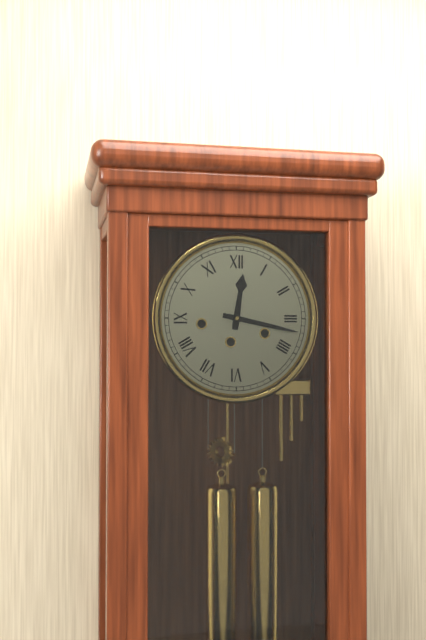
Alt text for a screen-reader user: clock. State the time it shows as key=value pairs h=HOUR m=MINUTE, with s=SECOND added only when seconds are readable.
h=12 m=17
